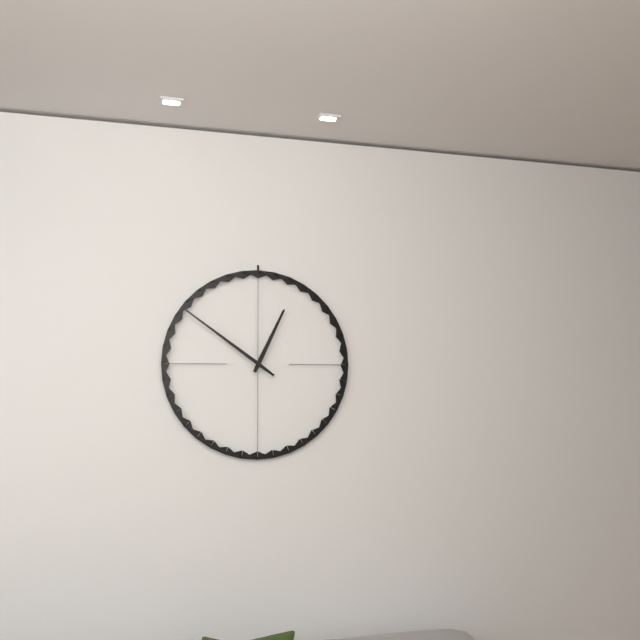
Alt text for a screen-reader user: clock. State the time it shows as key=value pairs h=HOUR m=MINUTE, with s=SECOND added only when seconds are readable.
h=12 m=51
